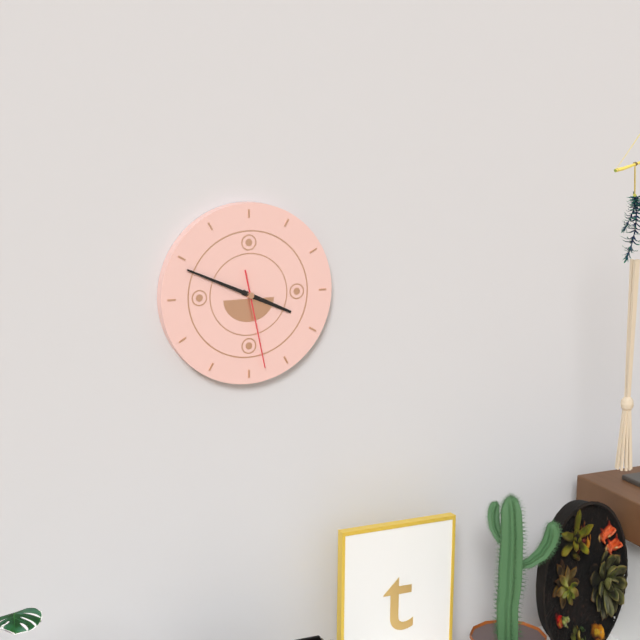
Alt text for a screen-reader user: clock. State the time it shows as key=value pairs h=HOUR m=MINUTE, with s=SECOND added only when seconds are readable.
h=3 m=49 s=28
